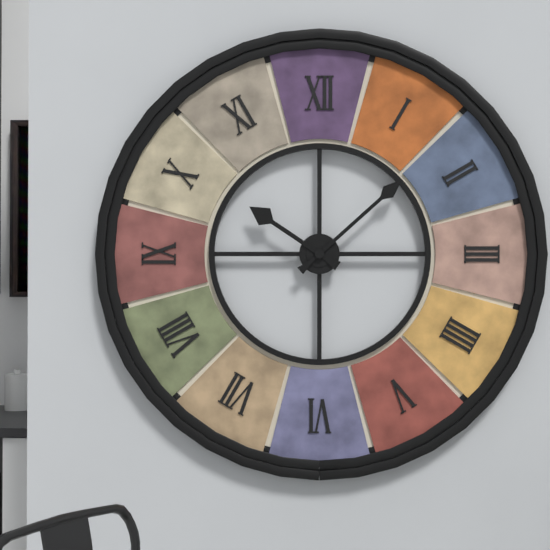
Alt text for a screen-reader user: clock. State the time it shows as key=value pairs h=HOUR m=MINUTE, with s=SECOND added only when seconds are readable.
h=10 m=8
